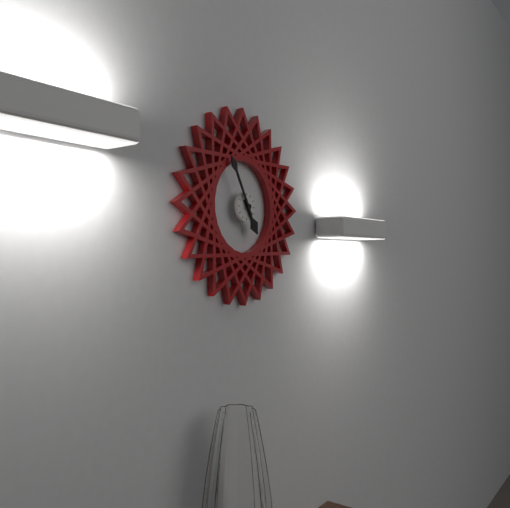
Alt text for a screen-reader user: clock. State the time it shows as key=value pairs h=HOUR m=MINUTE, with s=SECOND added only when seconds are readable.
h=4 m=55
